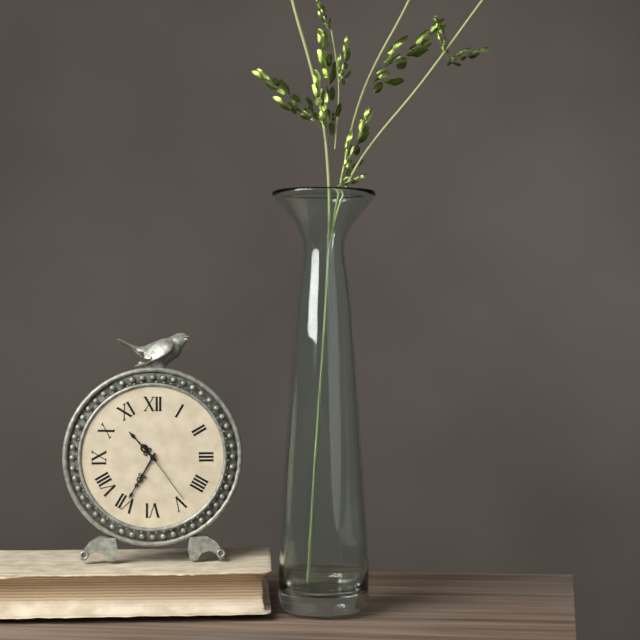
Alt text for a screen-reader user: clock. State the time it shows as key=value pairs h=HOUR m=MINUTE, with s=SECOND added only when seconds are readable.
h=10 m=35 s=24
